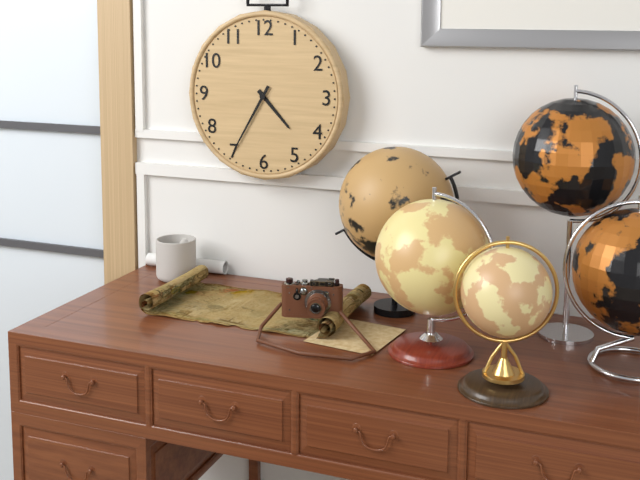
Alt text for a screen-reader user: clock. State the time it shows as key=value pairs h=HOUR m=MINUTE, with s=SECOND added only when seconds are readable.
h=4 m=35
